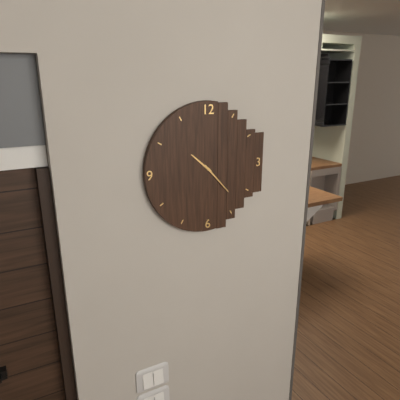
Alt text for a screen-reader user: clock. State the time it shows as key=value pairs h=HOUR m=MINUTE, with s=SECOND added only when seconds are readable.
h=10 m=23
